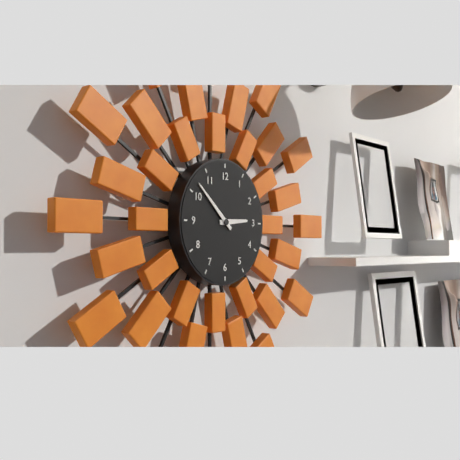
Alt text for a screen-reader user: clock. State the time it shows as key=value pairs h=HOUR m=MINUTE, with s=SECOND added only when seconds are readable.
h=2 m=52
